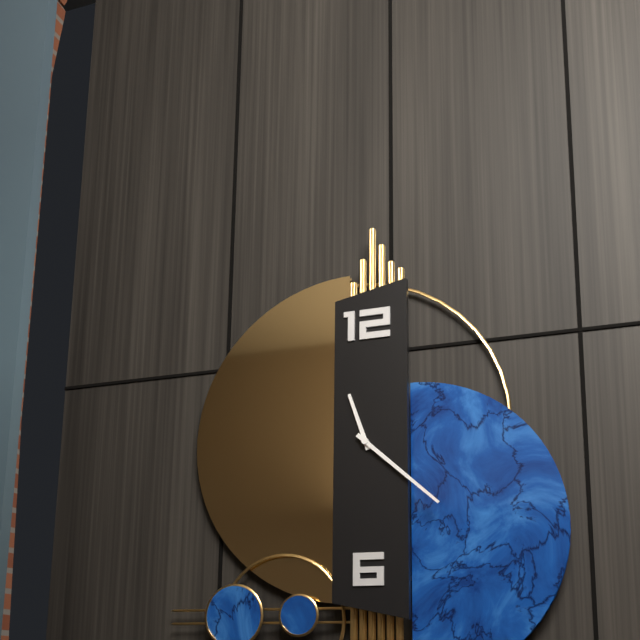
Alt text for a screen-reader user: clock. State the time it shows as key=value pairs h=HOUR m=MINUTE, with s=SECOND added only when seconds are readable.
h=11 m=22
